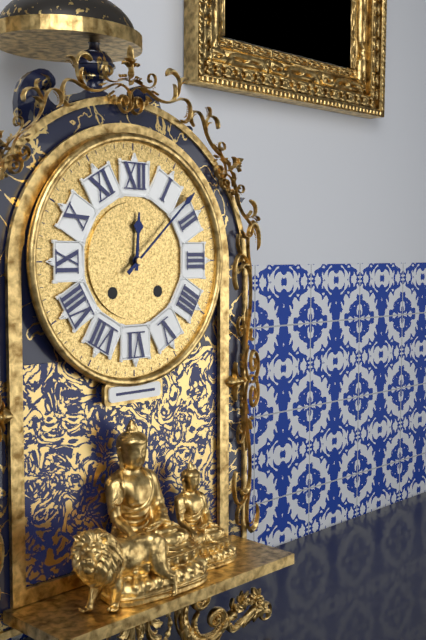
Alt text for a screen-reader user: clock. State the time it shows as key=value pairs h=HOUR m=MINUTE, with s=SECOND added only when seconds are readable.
h=12 m=8
